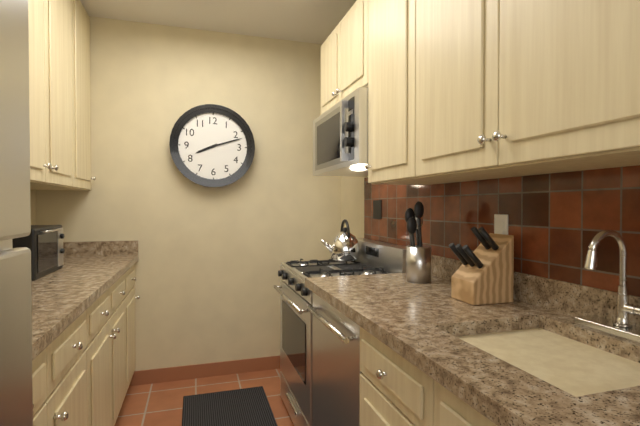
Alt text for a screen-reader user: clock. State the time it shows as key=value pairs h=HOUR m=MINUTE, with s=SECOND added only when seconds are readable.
h=8 m=12
